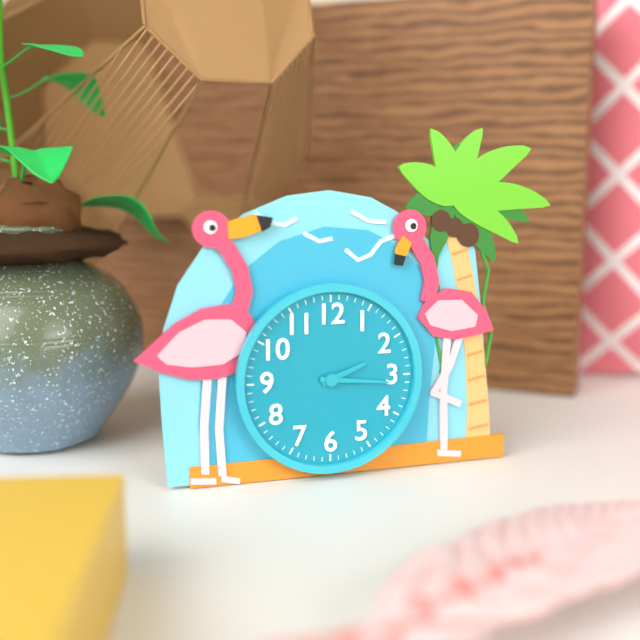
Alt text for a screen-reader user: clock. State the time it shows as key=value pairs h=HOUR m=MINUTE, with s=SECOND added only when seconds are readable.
h=2 m=16
